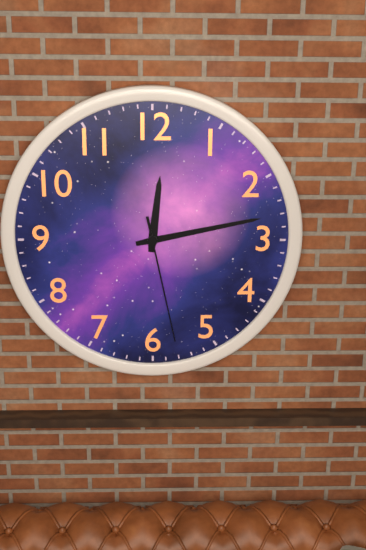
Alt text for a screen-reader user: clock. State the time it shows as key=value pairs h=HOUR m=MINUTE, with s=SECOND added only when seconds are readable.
h=12 m=13 s=28
